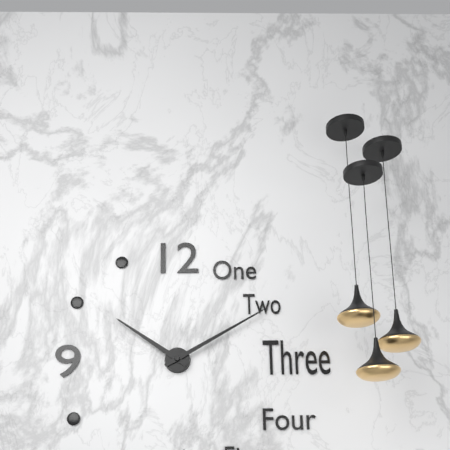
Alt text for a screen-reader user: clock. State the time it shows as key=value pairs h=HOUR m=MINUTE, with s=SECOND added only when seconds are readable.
h=10 m=10
